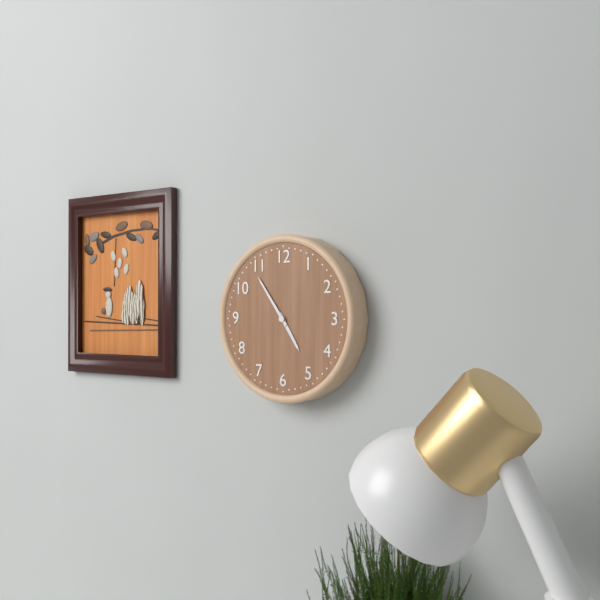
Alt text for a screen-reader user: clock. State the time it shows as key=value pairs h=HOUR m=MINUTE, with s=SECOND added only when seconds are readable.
h=4 m=54
